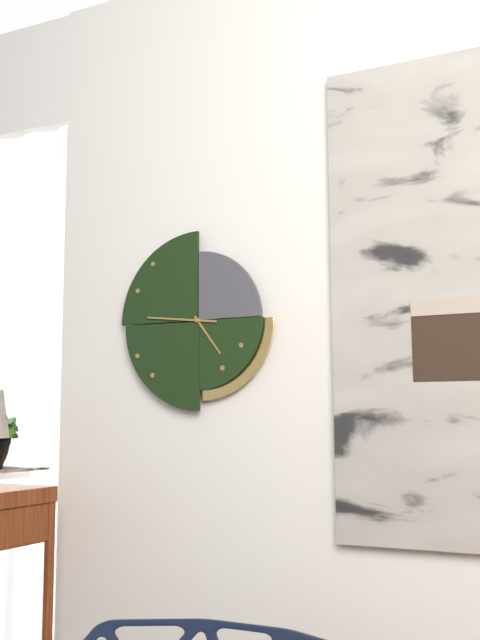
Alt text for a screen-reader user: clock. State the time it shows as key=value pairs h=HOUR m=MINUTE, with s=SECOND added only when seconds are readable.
h=4 m=46
